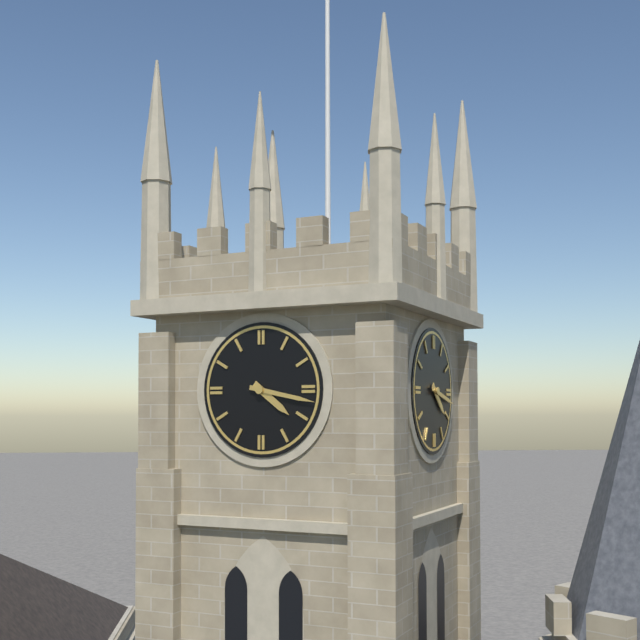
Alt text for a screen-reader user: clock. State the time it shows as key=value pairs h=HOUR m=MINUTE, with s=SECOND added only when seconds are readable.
h=4 m=17
